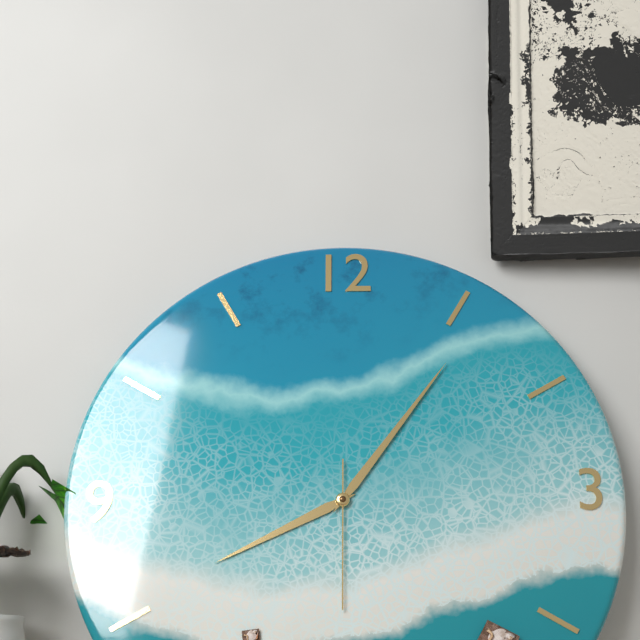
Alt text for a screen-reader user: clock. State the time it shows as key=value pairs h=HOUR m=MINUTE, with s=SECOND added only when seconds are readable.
h=8 m=6 s=30
